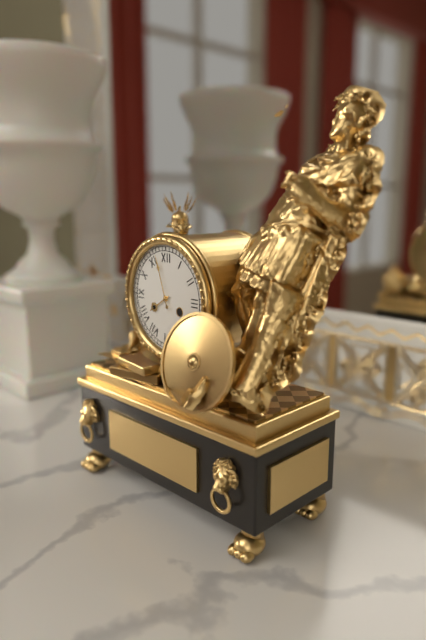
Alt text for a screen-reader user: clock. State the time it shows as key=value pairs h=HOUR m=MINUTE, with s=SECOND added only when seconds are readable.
h=7 m=57
